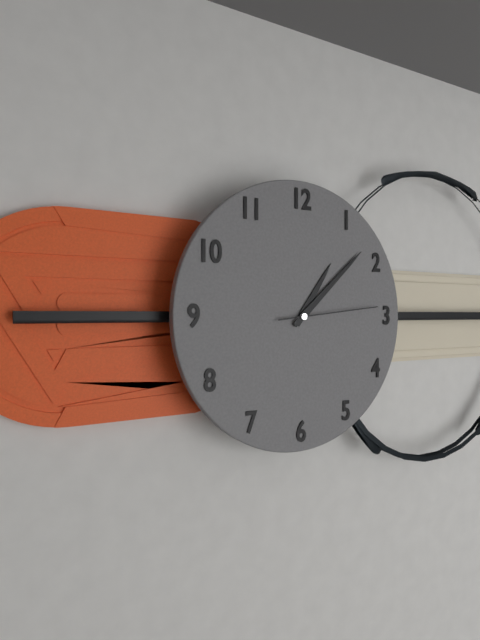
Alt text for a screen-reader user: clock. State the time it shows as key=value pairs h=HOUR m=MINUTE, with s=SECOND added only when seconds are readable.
h=1 m=8 s=14
